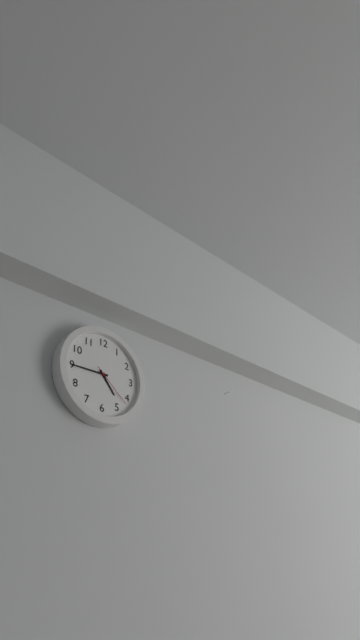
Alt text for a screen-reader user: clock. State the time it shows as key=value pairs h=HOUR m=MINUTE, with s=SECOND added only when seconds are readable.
h=4 m=45
